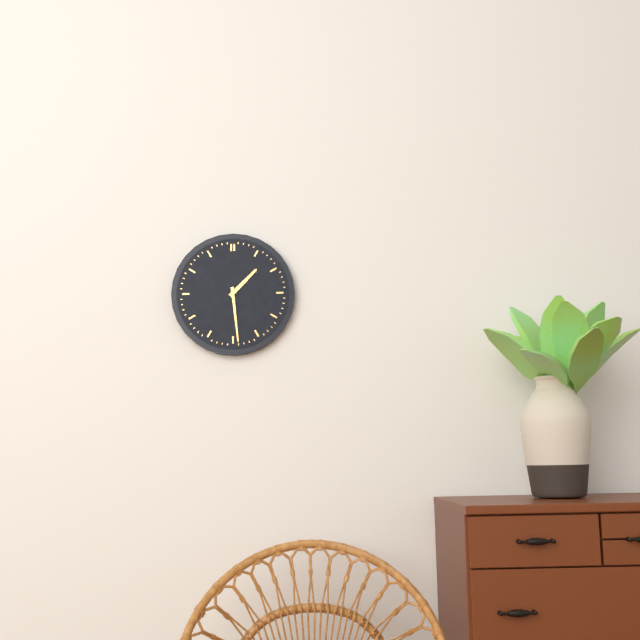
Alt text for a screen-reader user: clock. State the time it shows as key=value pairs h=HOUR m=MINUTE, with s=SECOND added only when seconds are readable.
h=1 m=29
